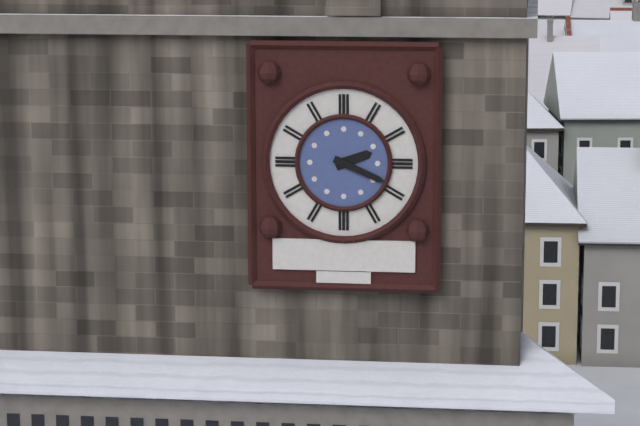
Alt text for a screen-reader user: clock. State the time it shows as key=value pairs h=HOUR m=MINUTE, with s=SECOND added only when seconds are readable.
h=2 m=19
